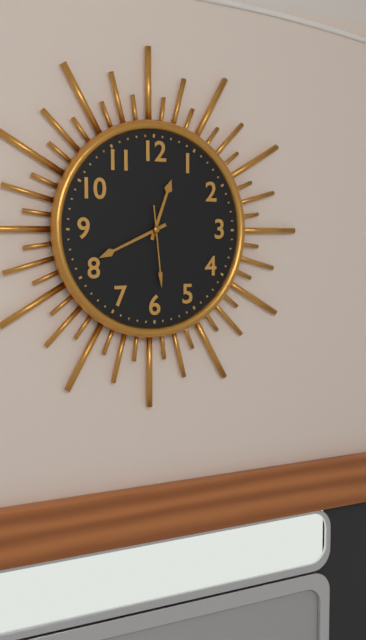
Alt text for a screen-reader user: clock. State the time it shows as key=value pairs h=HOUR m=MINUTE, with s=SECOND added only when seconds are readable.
h=12 m=41 s=29
